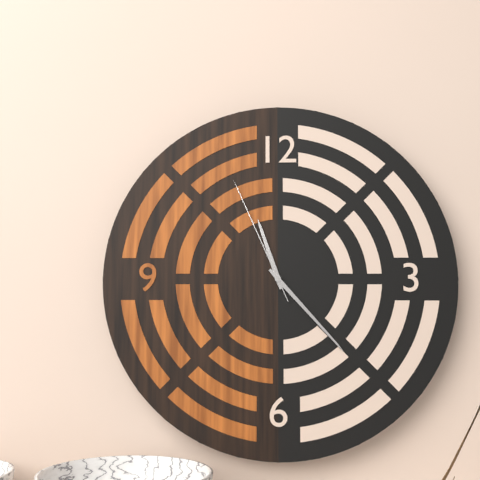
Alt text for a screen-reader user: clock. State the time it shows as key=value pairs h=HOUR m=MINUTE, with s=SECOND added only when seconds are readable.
h=11 m=23 s=56
